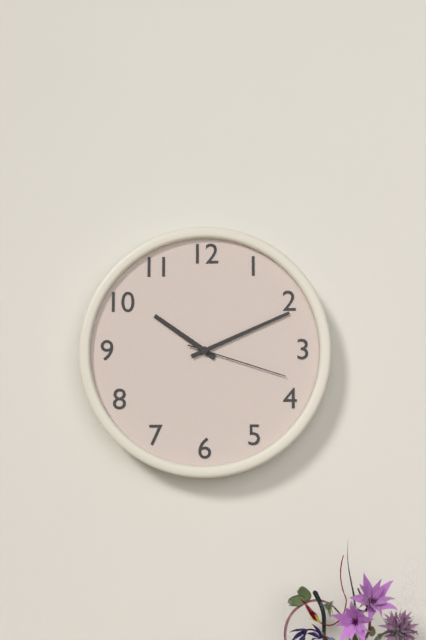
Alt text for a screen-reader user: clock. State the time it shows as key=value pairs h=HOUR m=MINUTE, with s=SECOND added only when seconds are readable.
h=10 m=11 s=18
